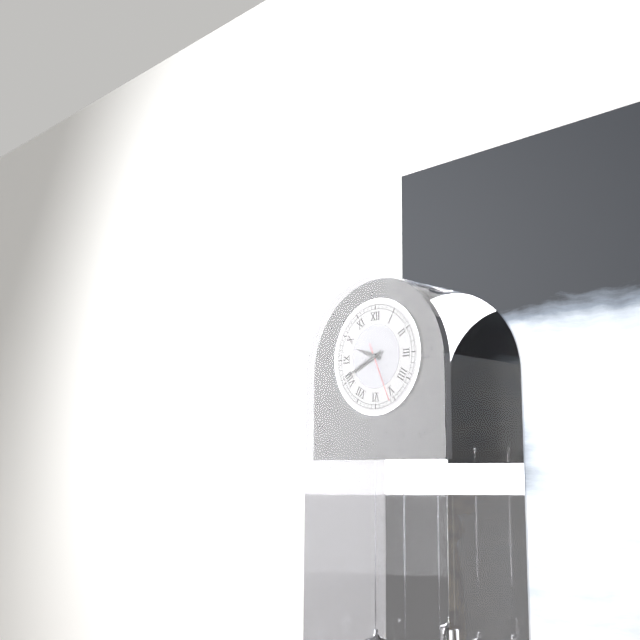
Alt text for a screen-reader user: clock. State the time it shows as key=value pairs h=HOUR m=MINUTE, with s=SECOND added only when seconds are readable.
h=9 m=41 s=26
